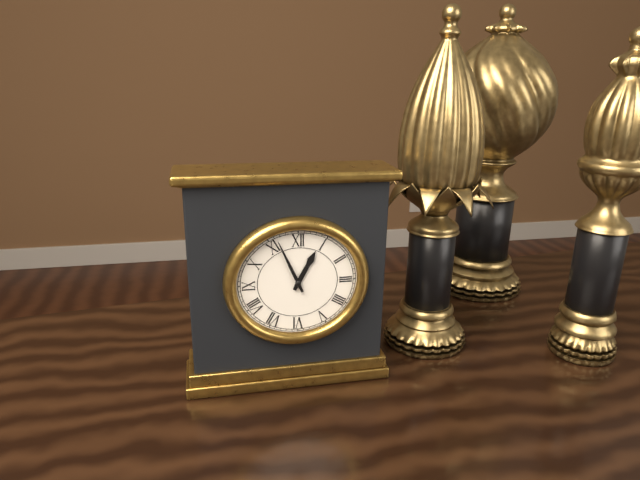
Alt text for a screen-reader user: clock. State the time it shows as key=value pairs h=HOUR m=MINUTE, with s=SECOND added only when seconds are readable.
h=12 m=56
